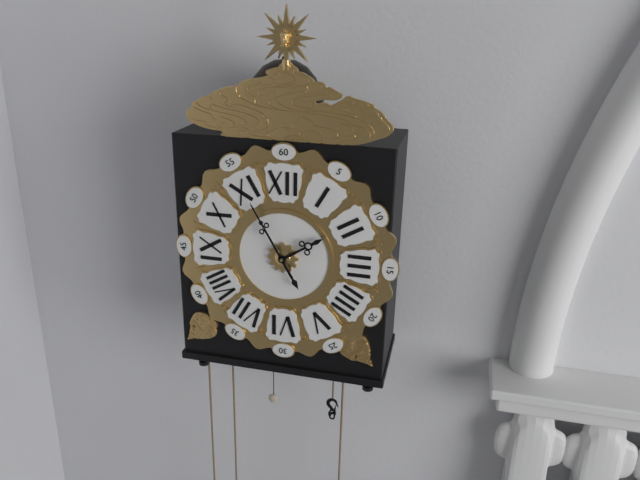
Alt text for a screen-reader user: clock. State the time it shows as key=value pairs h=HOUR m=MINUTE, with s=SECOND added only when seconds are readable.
h=1 m=55
